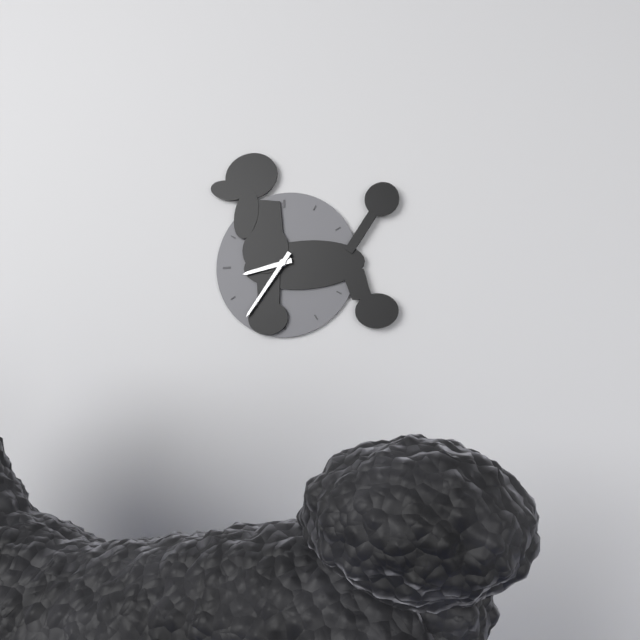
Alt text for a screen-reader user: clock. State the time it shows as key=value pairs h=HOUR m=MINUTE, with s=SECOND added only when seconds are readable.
h=8 m=36
